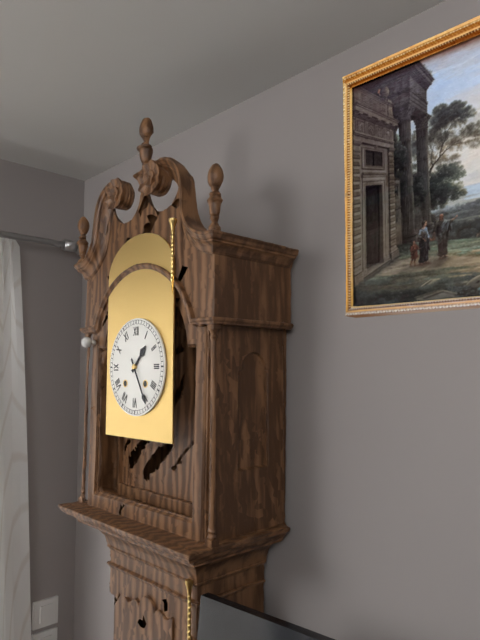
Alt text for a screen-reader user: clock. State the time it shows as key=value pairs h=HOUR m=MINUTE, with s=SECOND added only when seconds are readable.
h=1 m=25
